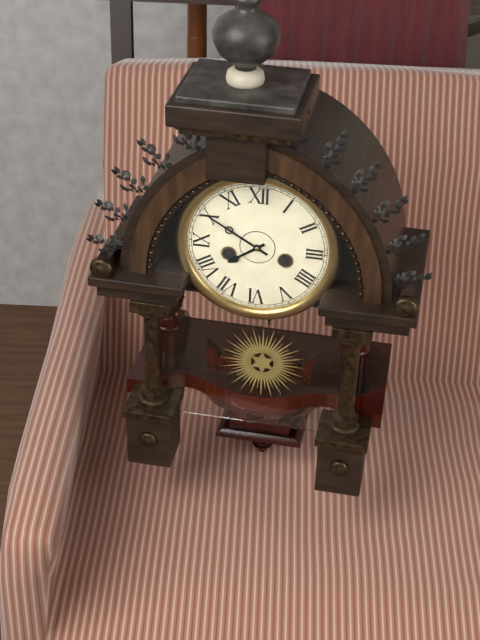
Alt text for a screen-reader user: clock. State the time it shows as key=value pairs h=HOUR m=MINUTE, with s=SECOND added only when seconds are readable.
h=7 m=50
